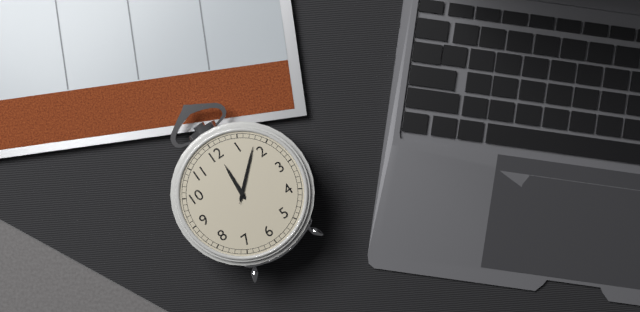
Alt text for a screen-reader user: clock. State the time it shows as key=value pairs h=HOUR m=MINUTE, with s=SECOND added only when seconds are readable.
h=12 m=8
